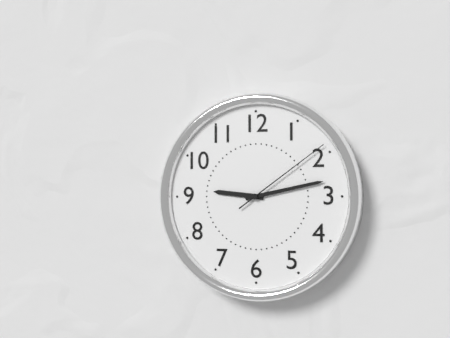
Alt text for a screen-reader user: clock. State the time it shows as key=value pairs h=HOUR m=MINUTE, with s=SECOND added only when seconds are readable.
h=9 m=13 s=9
